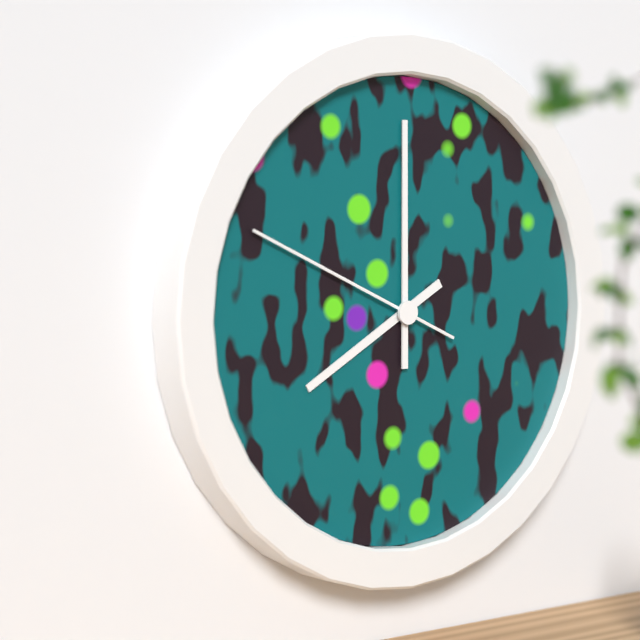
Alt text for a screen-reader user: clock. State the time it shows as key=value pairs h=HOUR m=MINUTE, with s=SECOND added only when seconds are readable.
h=8 m=0 s=49
